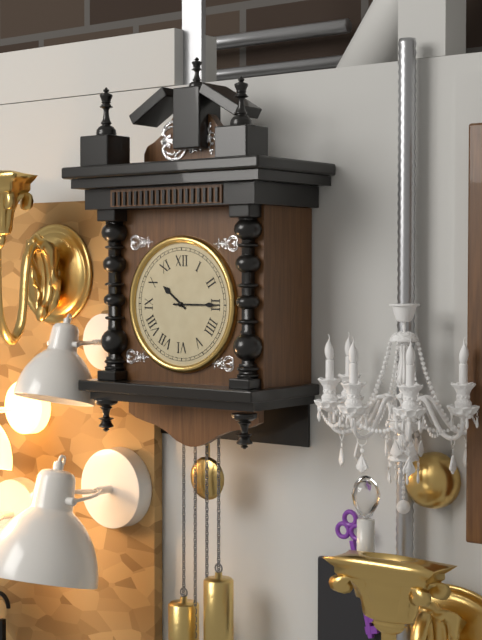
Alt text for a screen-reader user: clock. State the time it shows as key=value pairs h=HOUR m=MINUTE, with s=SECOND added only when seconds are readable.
h=10 m=15
